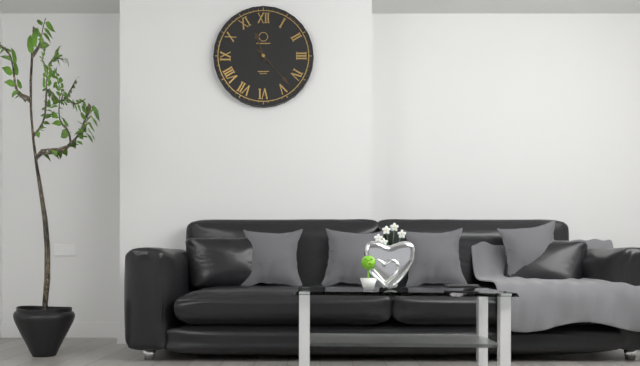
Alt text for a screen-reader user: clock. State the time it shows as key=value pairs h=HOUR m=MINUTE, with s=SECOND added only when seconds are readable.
h=11 m=23
